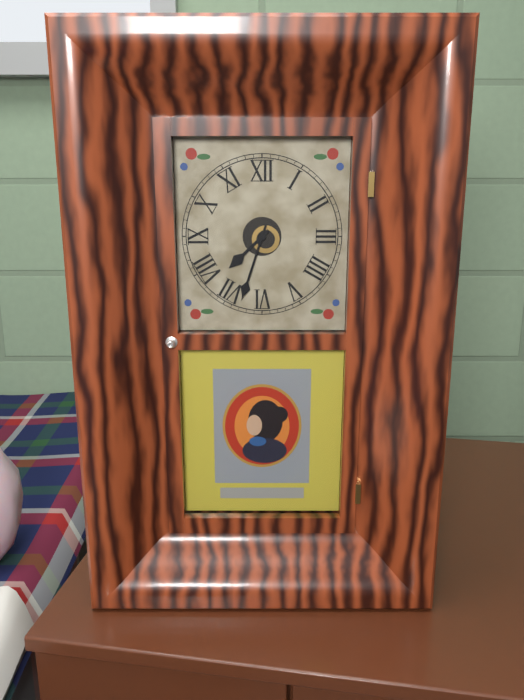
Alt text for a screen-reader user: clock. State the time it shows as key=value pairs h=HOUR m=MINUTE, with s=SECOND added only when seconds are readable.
h=7 m=33
